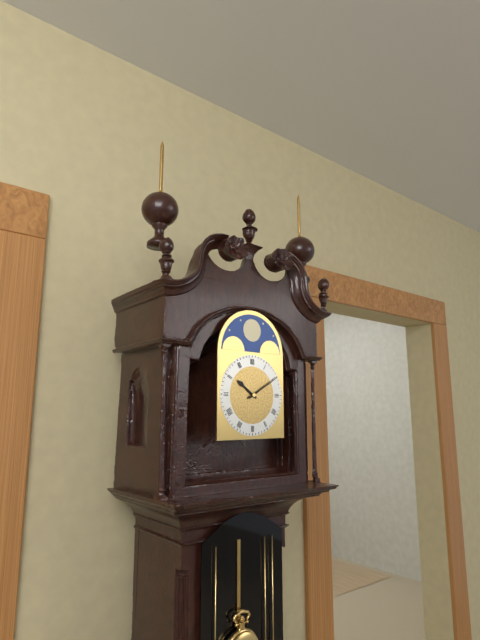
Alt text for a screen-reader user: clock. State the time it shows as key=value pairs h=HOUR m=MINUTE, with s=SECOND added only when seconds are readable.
h=10 m=10
